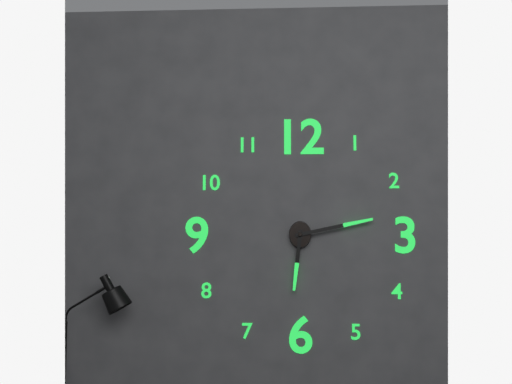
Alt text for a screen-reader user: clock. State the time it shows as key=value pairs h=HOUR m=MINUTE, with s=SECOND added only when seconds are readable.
h=6 m=13
